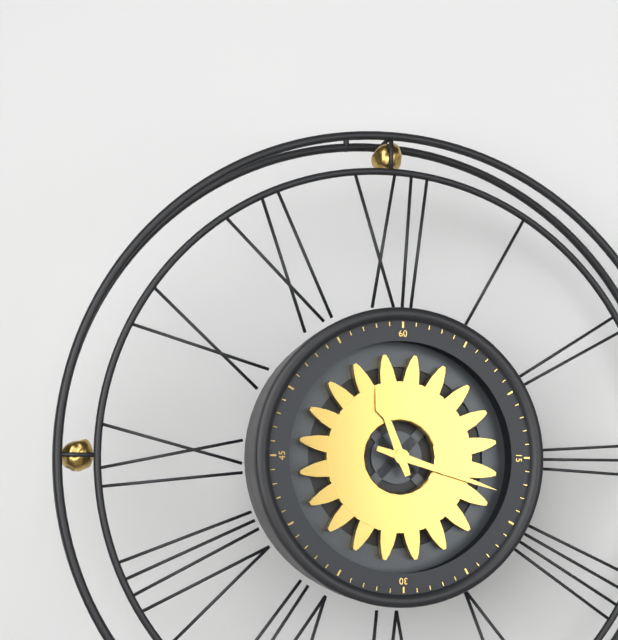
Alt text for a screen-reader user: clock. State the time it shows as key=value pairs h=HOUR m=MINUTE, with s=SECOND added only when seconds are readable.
h=11 m=18
